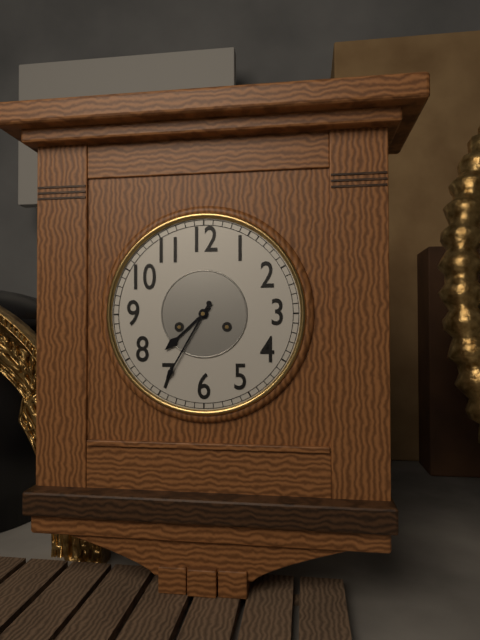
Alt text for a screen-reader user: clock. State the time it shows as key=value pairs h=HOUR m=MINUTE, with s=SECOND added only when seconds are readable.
h=7 m=35
